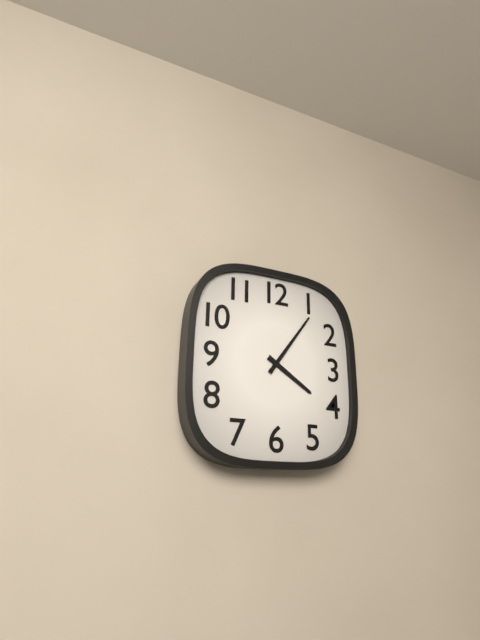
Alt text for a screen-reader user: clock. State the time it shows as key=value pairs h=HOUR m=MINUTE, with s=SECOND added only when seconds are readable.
h=4 m=6
